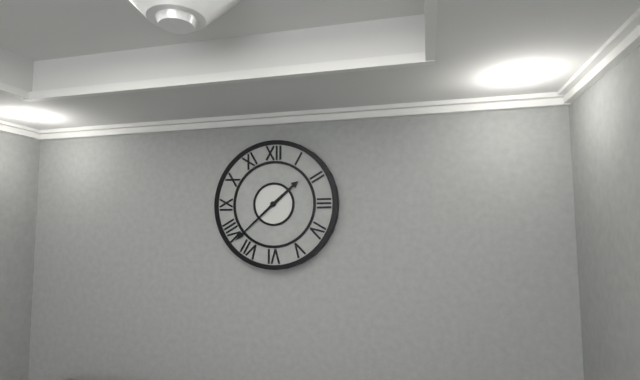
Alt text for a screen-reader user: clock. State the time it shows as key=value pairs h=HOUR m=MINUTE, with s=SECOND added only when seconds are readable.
h=1 m=38
